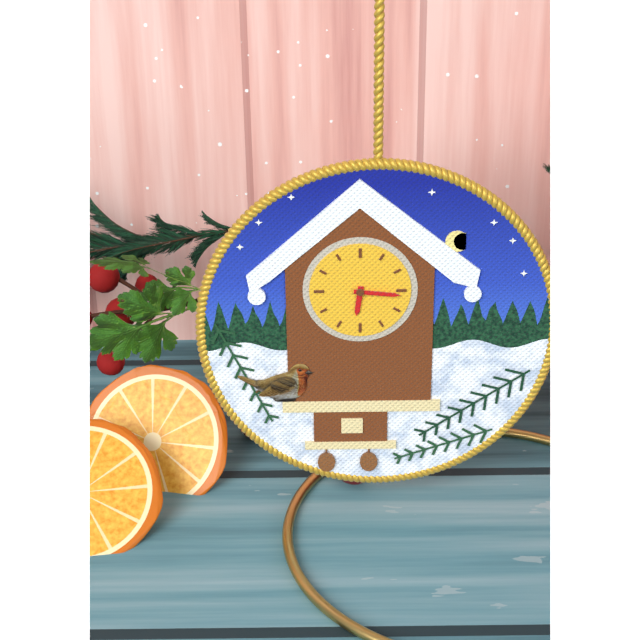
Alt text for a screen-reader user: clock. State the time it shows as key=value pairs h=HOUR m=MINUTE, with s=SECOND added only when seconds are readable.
h=6 m=16
